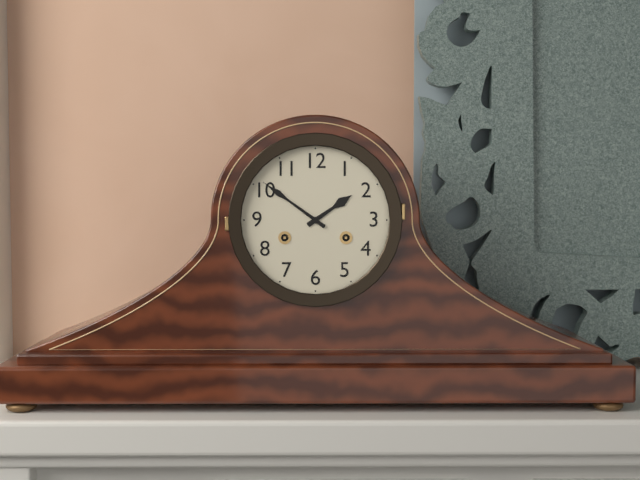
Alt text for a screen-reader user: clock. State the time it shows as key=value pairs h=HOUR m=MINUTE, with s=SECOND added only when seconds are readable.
h=1 m=51
